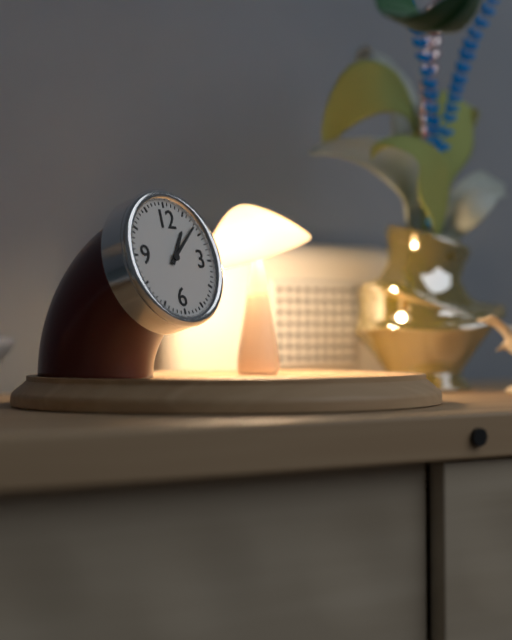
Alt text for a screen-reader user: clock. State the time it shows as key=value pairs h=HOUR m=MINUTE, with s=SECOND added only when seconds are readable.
h=1 m=8
